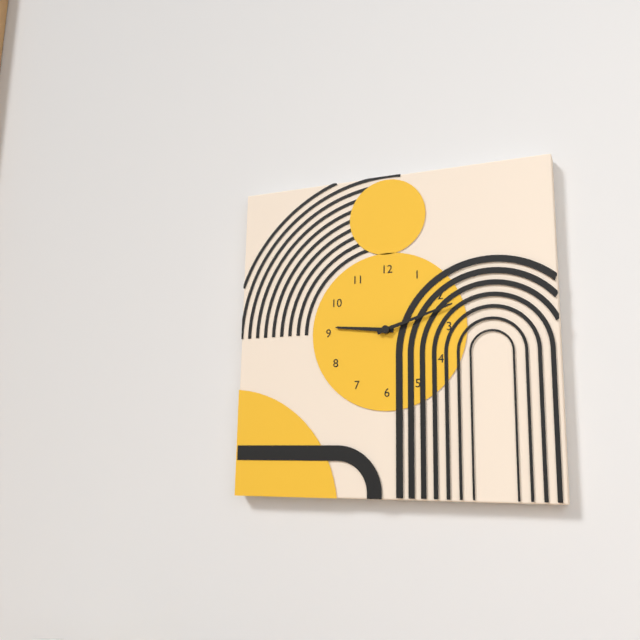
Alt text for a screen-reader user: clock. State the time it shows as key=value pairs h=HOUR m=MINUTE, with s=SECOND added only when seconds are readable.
h=9 m=12
